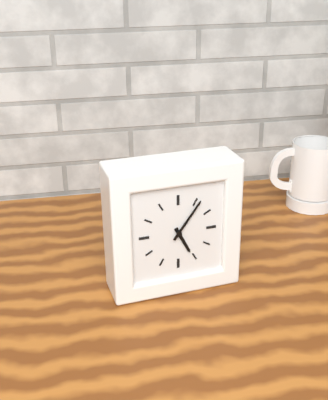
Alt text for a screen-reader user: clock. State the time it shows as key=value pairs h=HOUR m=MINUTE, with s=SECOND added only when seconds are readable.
h=5 m=6
